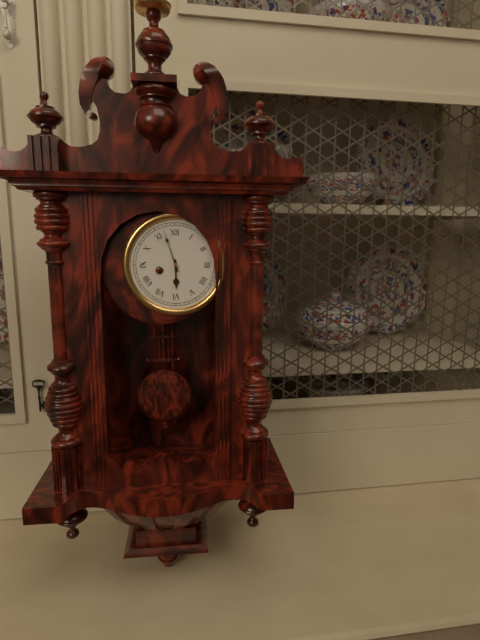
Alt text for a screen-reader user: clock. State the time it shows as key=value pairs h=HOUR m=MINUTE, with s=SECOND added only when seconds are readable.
h=5 m=57
